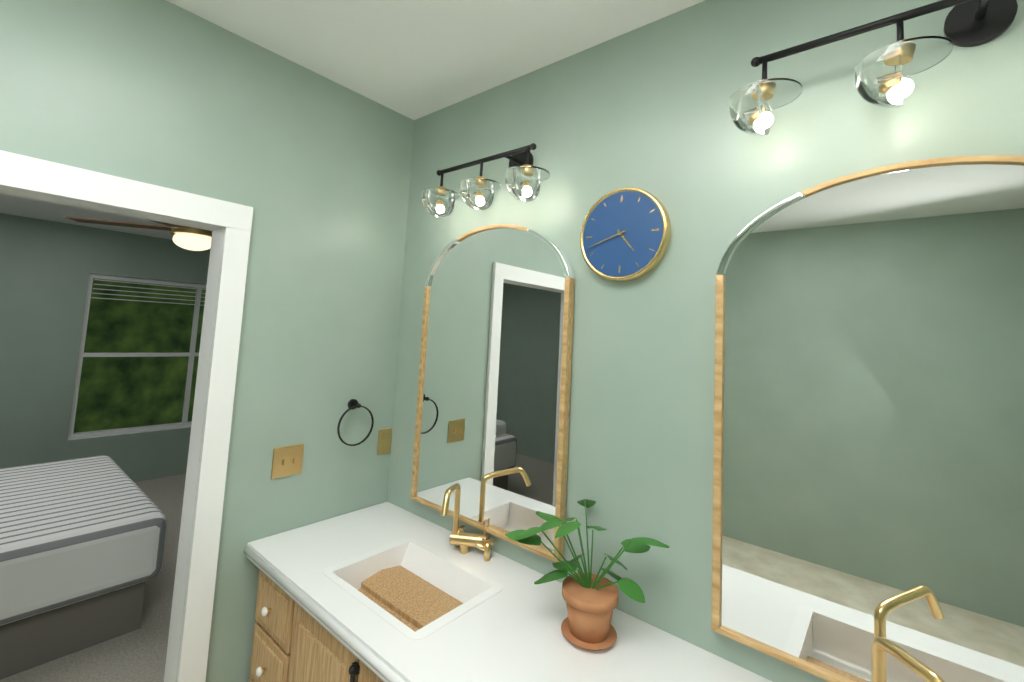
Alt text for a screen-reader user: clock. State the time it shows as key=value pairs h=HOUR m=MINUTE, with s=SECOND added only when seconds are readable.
h=4 m=42
